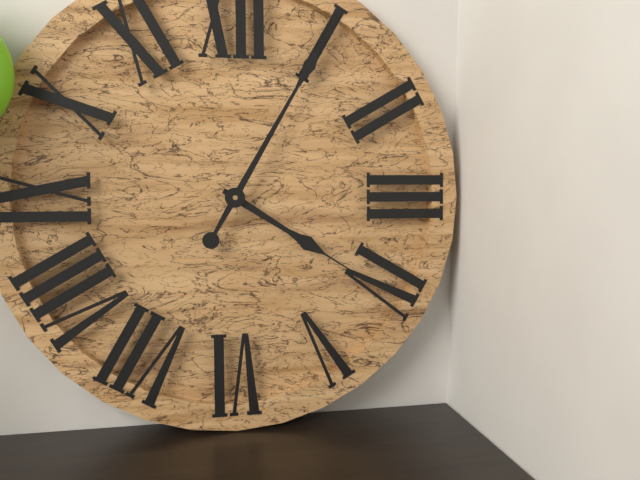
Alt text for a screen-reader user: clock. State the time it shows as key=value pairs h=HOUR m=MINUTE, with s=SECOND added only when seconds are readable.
h=4 m=5
